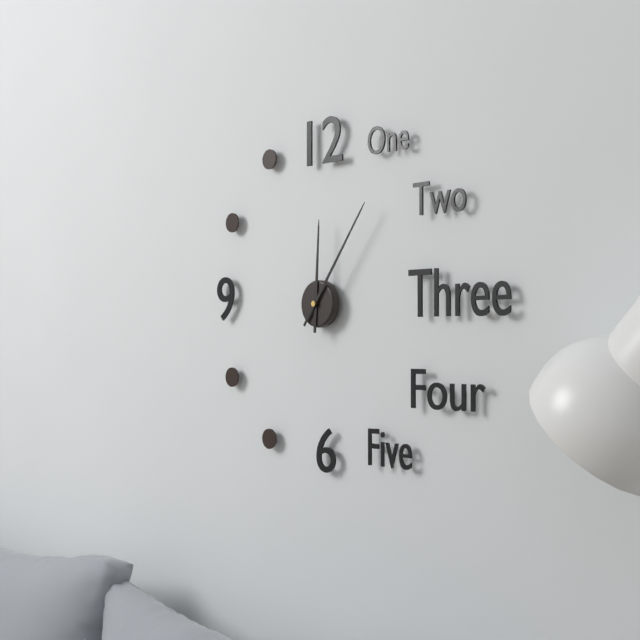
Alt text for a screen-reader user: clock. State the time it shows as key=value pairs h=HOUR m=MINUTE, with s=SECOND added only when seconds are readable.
h=12 m=6
